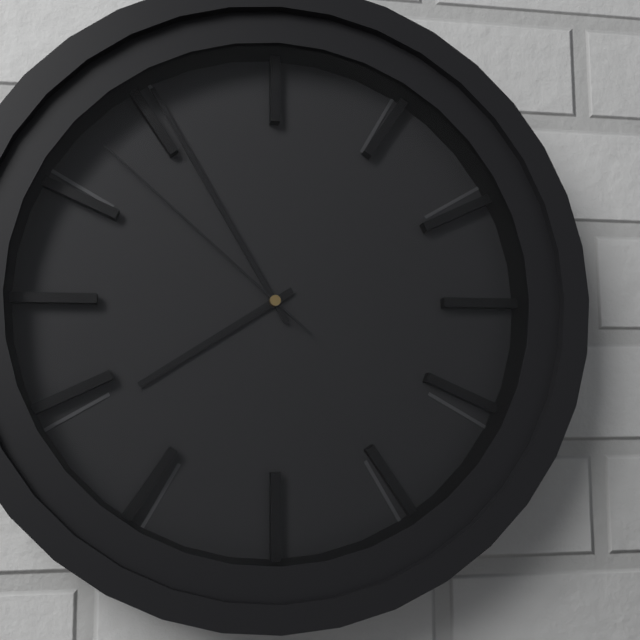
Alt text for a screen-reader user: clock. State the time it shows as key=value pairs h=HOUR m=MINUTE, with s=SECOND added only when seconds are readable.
h=7 m=55 s=52
